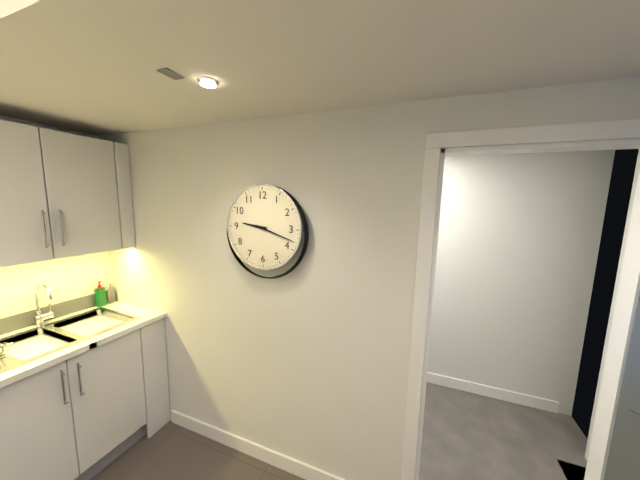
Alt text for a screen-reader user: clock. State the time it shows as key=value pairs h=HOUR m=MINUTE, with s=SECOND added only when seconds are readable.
h=9 m=18
